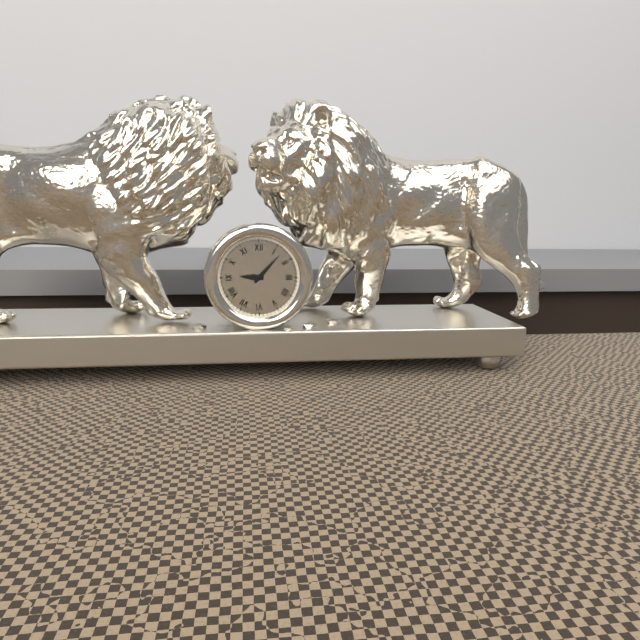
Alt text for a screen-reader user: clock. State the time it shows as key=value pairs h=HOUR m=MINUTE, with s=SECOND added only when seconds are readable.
h=9 m=7
